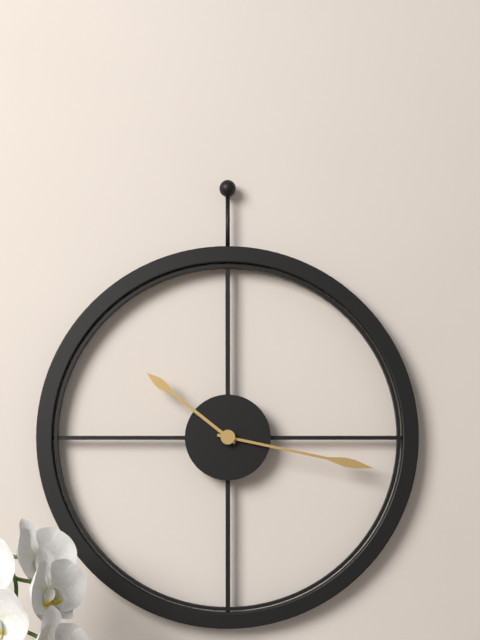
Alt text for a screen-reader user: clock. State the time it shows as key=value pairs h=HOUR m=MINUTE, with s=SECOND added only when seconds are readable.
h=10 m=17
